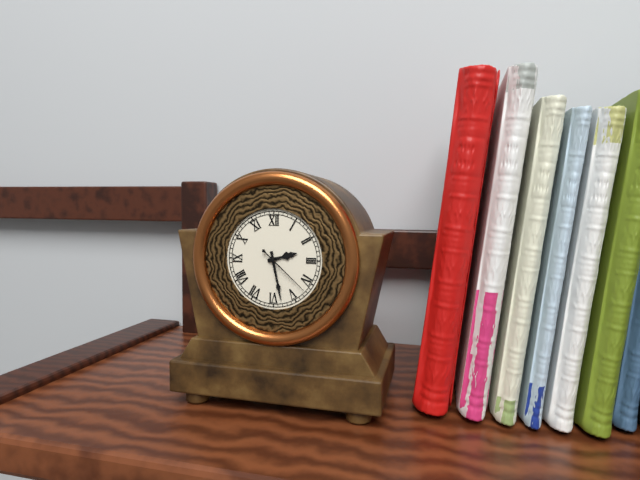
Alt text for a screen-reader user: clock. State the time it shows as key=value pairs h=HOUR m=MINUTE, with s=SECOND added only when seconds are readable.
h=2 m=28 s=22
